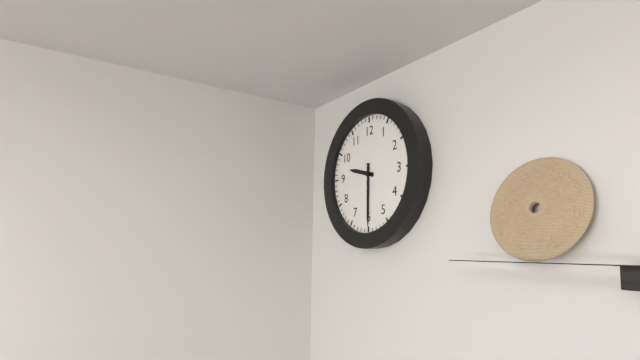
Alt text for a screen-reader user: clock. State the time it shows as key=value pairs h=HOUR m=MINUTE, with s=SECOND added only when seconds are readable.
h=9 m=30
